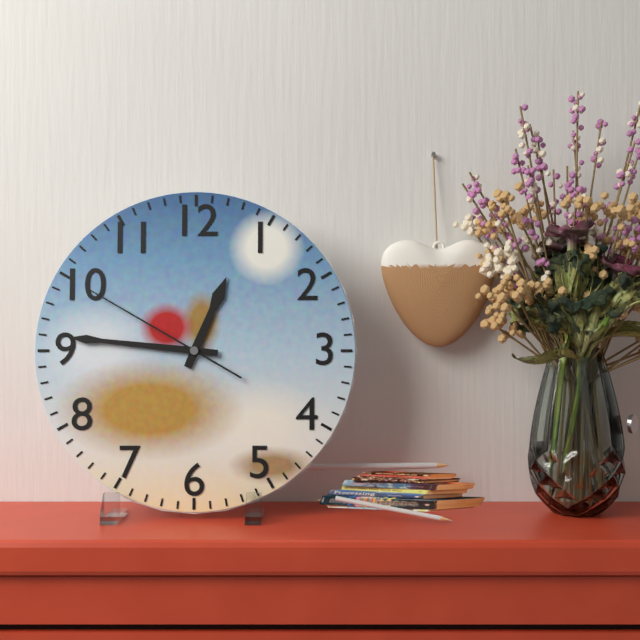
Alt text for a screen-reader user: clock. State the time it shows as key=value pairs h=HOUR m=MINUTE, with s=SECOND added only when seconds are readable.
h=12 m=46 s=50
